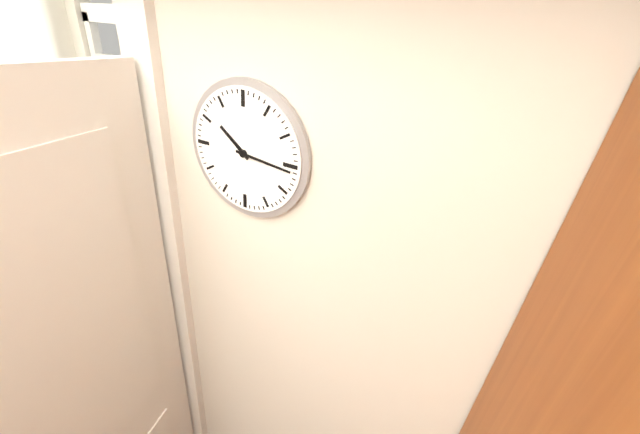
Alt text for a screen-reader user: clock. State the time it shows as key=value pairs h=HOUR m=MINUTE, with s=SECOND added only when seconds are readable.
h=10 m=16
